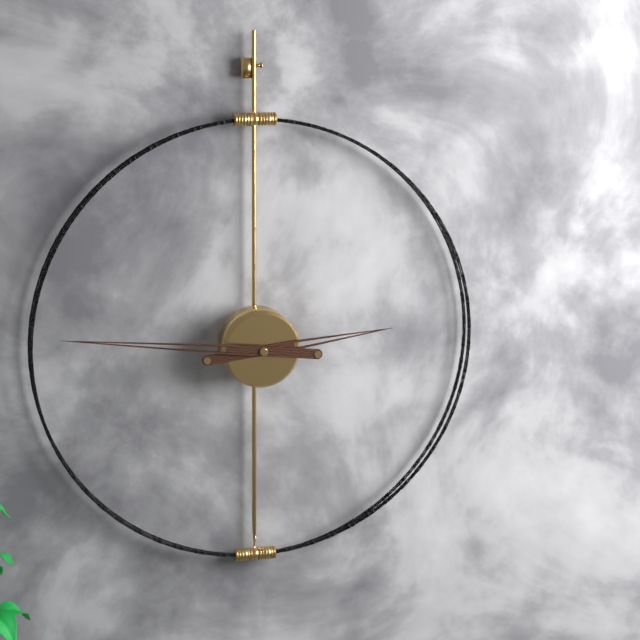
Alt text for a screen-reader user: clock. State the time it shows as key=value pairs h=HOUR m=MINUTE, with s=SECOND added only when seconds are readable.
h=2 m=46
